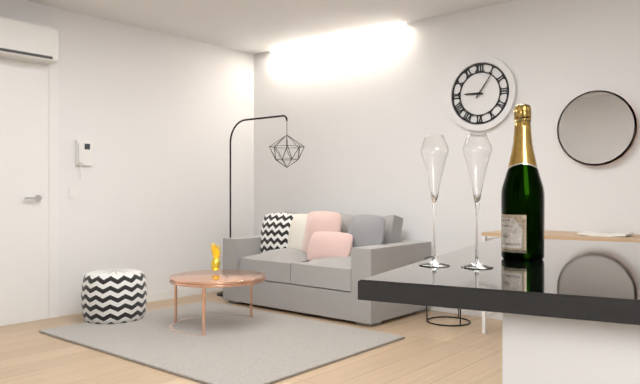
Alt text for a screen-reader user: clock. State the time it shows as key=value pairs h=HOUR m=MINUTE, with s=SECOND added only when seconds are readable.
h=9 m=6
